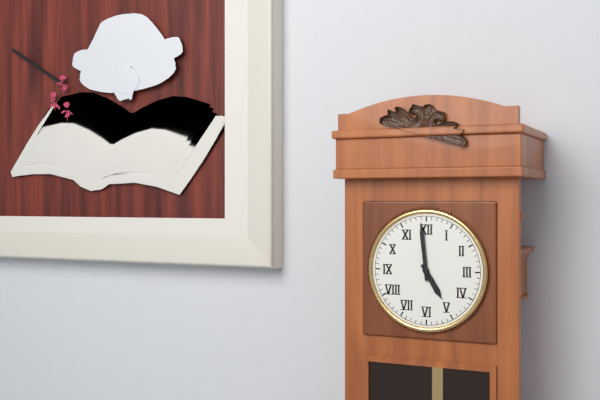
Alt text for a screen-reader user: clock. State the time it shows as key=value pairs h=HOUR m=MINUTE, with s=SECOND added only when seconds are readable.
h=4 m=59
